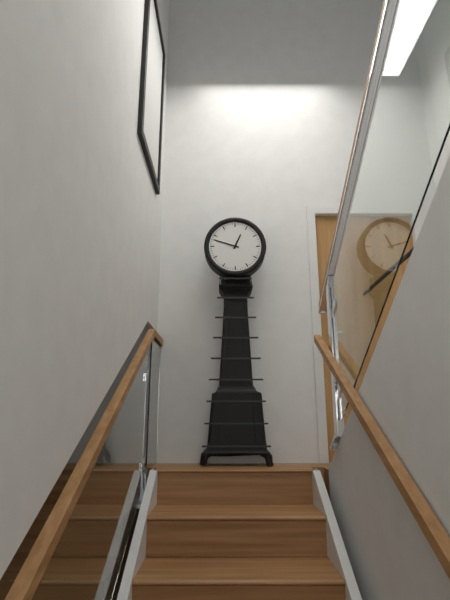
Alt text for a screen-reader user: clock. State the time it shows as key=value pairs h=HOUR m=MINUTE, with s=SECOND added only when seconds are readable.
h=12 m=48
